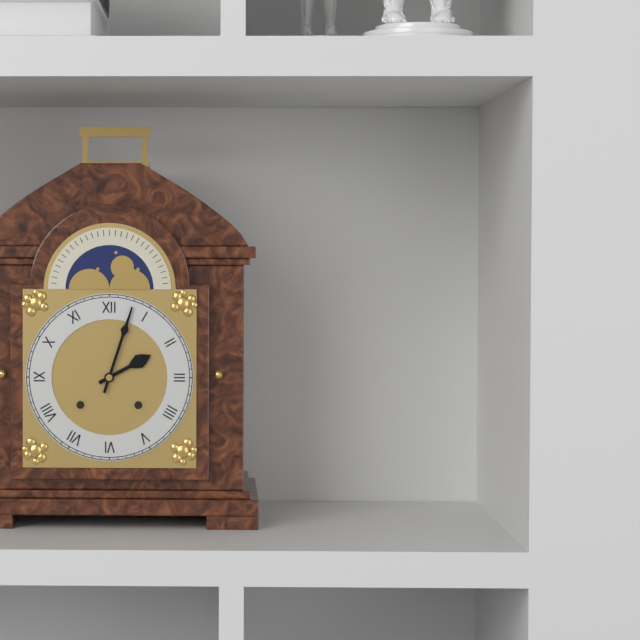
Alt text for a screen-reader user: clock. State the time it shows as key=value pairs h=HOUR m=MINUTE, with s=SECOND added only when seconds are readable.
h=2 m=3
